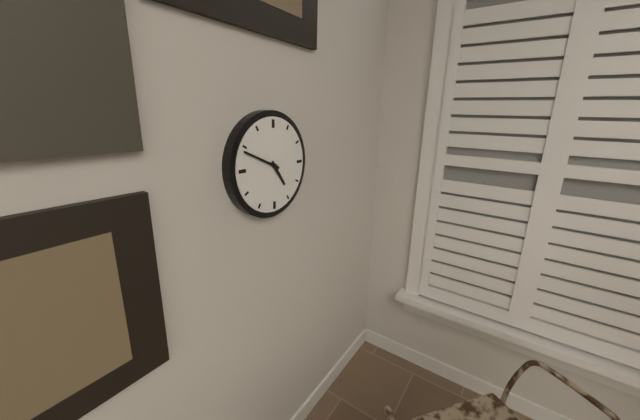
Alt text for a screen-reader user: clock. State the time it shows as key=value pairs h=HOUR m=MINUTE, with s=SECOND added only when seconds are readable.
h=4 m=49
